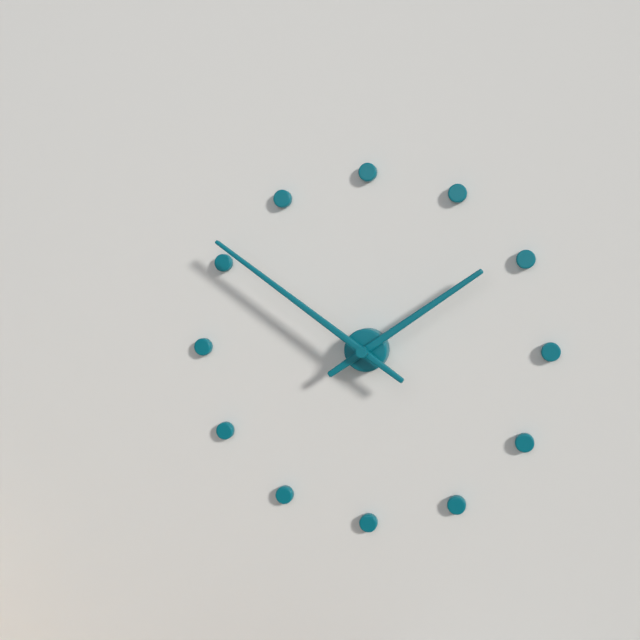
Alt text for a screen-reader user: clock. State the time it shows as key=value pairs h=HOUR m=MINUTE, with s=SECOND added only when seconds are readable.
h=1 m=51
